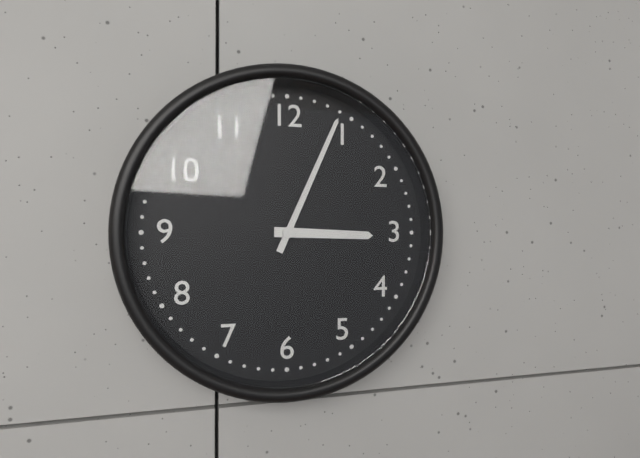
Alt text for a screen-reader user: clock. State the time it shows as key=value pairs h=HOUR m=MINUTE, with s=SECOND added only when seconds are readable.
h=3 m=4
